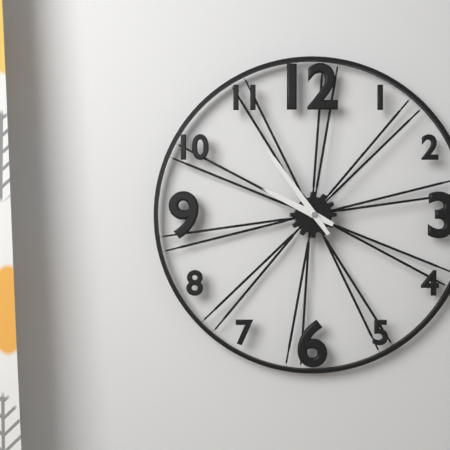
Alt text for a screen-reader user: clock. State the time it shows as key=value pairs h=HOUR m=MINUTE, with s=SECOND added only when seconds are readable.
h=9 m=54
